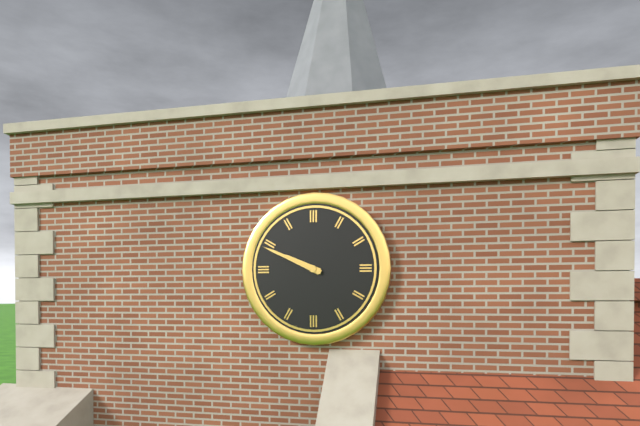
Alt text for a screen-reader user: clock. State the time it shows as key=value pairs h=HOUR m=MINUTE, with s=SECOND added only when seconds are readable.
h=9 m=49
